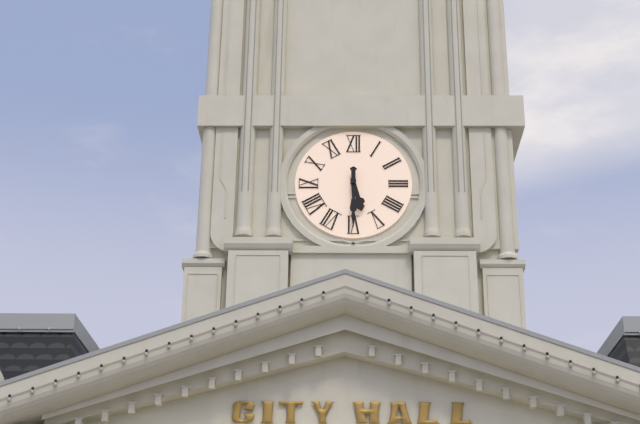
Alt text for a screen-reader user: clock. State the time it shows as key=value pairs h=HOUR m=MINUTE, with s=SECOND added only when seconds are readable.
h=5 m=30
